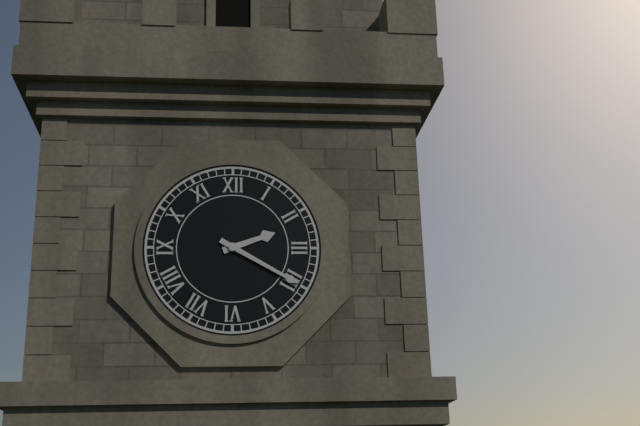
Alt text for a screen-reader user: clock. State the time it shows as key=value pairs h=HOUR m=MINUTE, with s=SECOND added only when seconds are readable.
h=2 m=20
